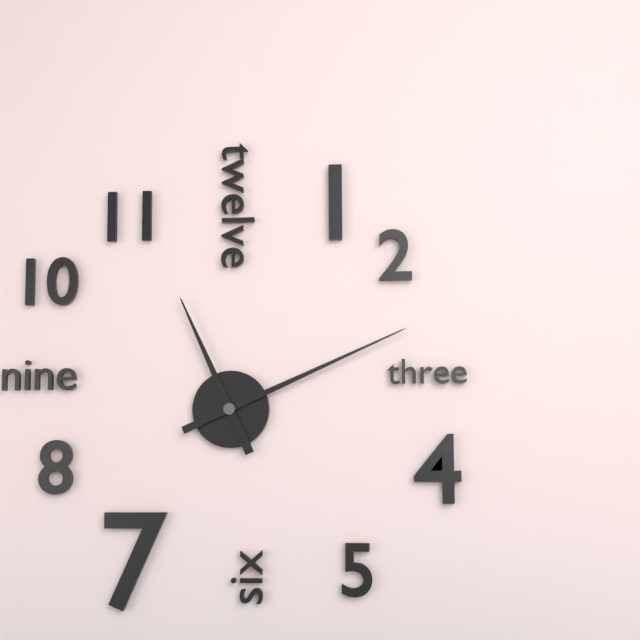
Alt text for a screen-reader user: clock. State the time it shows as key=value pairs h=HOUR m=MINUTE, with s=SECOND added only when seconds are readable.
h=11 m=11
